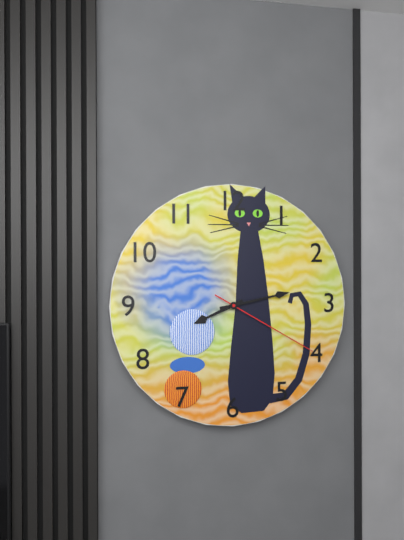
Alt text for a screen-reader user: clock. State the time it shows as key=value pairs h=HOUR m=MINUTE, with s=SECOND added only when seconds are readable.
h=8 m=13 s=20
